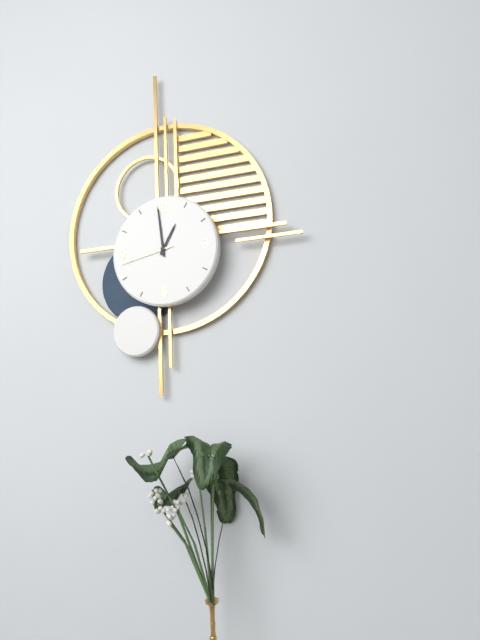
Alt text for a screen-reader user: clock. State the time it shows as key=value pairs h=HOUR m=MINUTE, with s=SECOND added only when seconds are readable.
h=12 m=59 s=43
